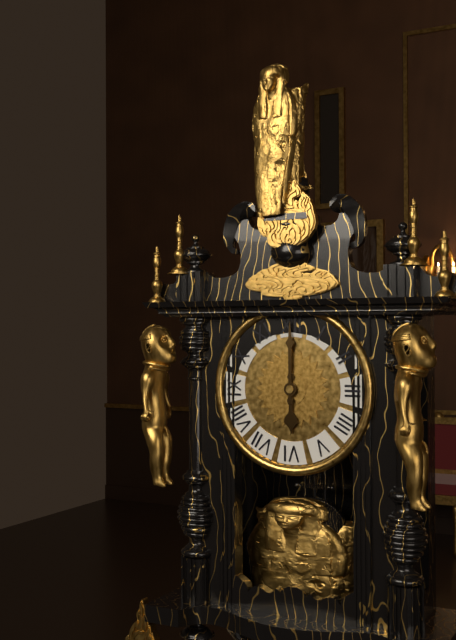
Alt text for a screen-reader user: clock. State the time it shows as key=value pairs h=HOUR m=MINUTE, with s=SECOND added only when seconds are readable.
h=6 m=0
